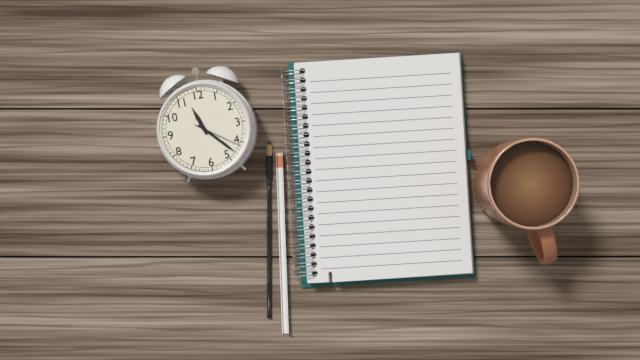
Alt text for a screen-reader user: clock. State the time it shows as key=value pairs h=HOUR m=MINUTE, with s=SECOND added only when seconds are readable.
h=11 m=23
